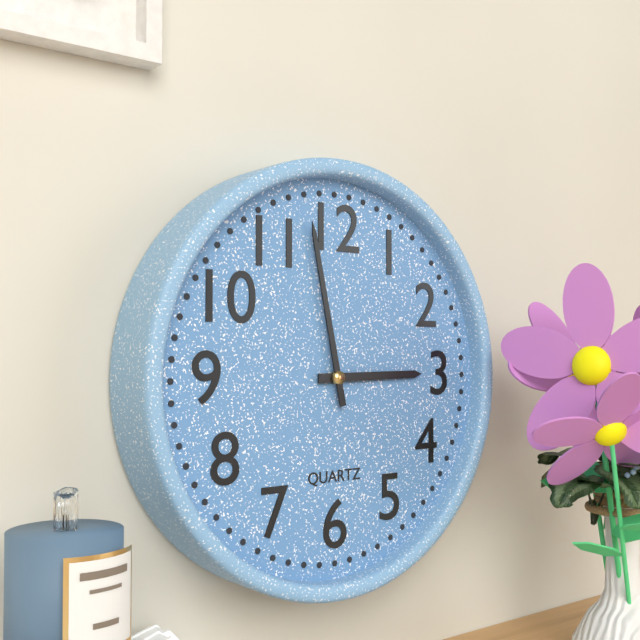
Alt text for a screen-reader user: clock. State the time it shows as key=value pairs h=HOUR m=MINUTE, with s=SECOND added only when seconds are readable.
h=2 m=58
